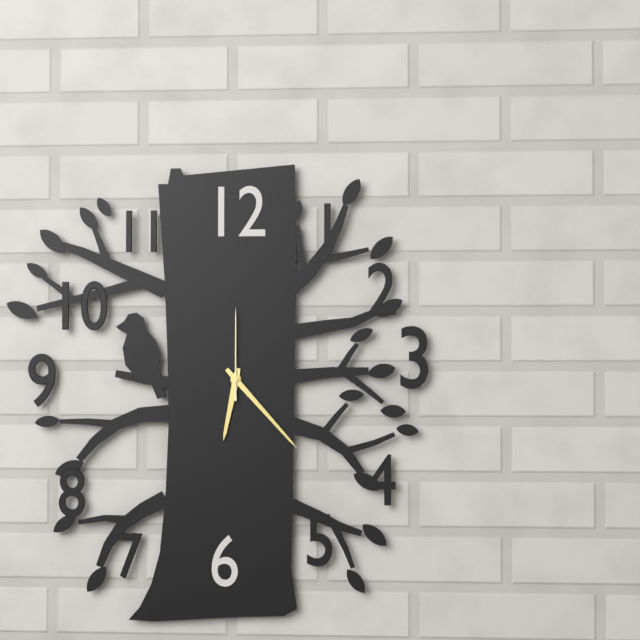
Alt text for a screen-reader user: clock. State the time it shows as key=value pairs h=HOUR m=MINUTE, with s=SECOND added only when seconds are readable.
h=6 m=23 s=0
